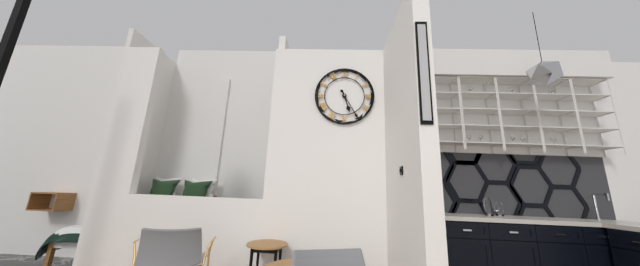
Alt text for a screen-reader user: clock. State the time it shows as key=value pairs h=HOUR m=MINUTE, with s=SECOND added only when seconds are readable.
h=5 m=25
